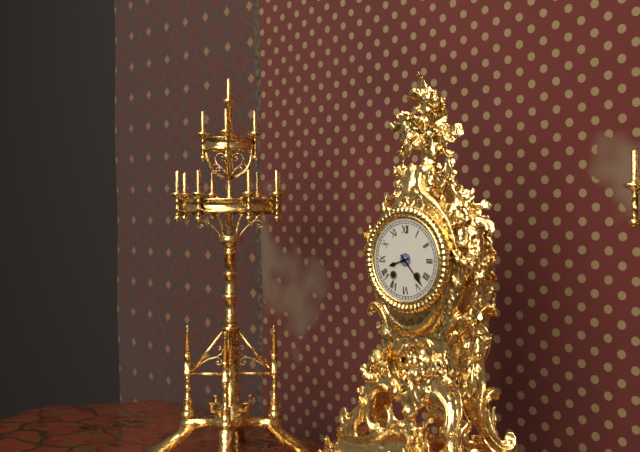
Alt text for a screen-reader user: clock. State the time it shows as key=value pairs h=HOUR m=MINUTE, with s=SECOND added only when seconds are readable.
h=8 m=23
